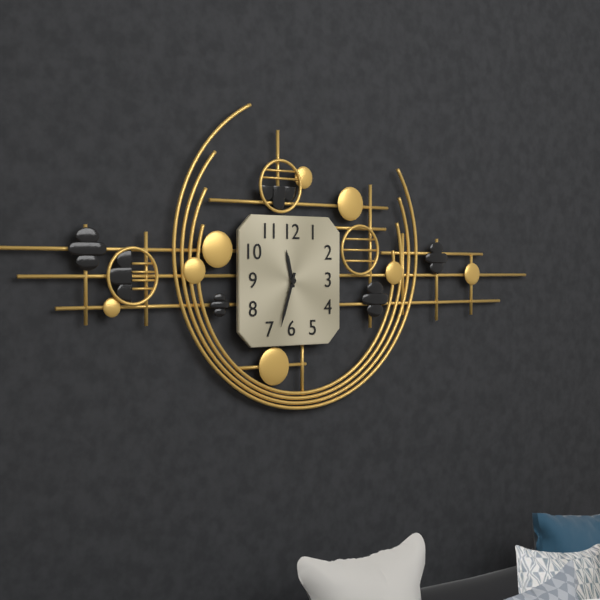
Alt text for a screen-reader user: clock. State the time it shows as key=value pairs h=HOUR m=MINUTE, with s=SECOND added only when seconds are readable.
h=11 m=33
